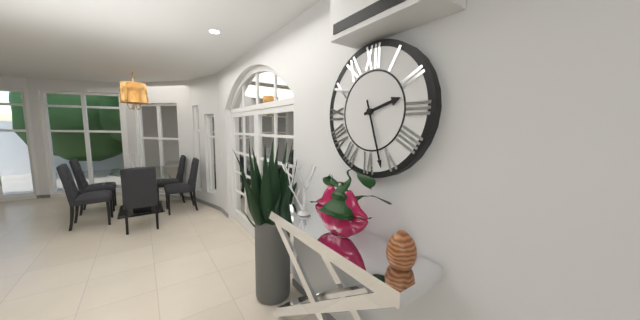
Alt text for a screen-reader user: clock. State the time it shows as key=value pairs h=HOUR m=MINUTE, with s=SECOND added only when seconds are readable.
h=2 m=27
